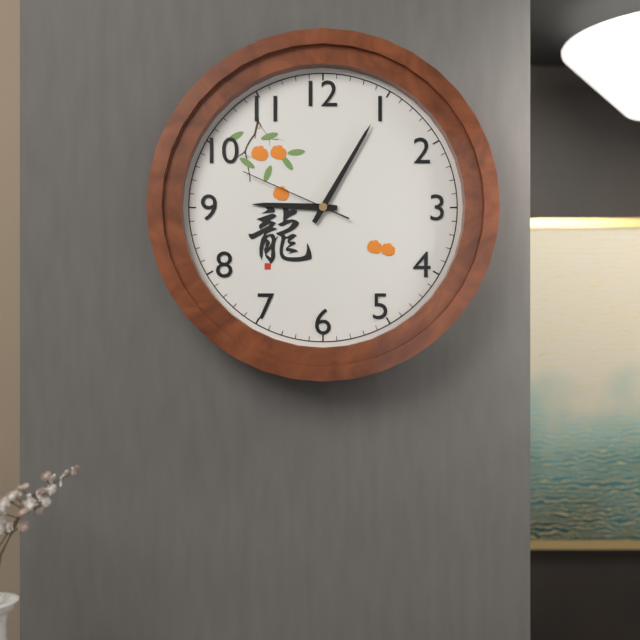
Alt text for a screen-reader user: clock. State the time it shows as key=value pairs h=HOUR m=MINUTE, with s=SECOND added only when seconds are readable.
h=9 m=5 s=49
